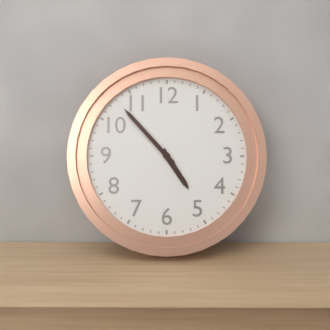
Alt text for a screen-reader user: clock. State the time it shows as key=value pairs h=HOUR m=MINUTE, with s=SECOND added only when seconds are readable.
h=4 m=53
